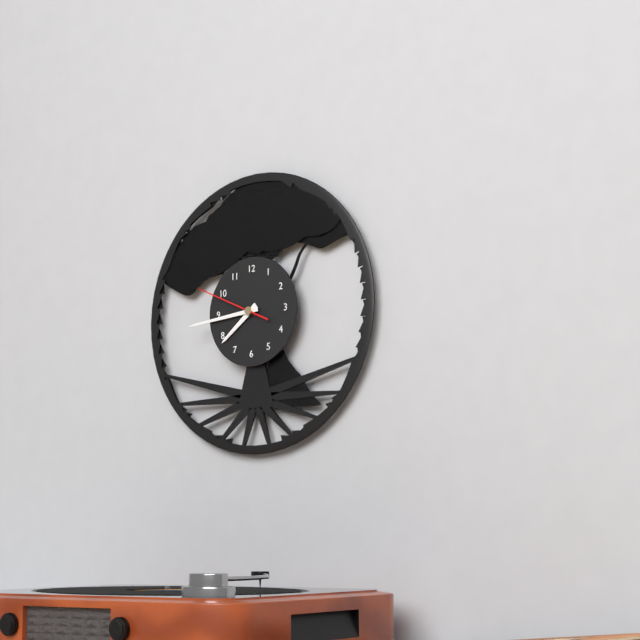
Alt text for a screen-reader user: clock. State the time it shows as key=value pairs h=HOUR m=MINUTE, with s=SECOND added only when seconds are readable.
h=7 m=44 s=49
